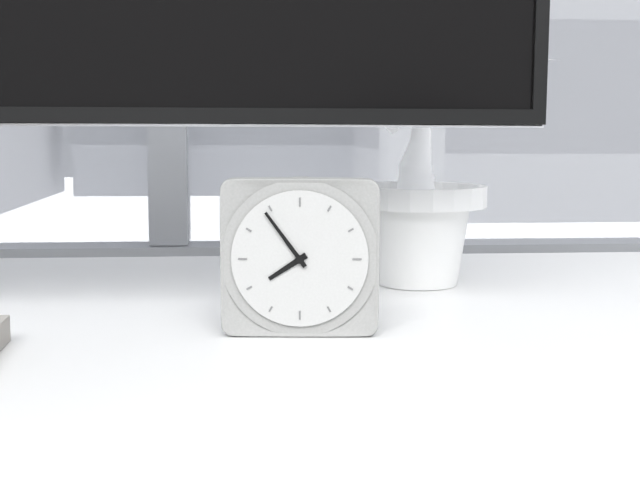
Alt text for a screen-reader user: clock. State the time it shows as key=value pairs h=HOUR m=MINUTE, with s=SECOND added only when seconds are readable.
h=7 m=54
